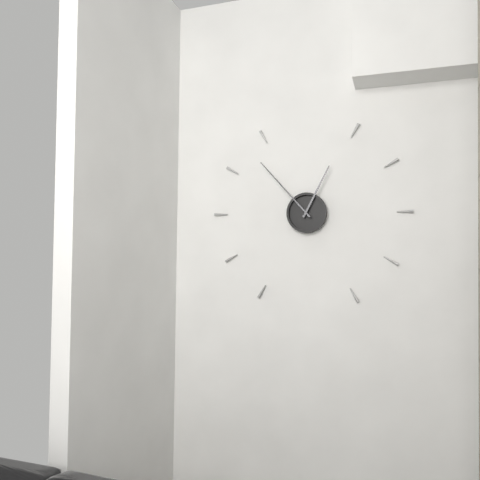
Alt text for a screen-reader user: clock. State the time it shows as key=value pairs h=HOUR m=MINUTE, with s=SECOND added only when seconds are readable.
h=12 m=53
